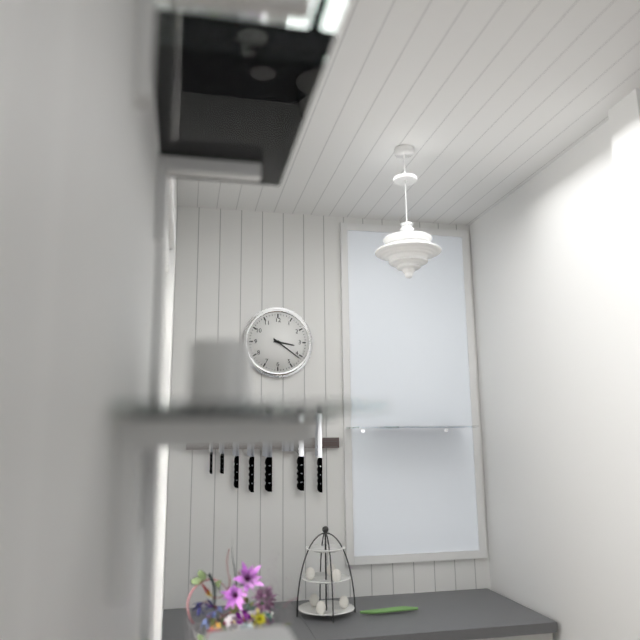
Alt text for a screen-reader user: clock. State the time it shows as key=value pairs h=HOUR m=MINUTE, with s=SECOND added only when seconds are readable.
h=3 m=21
